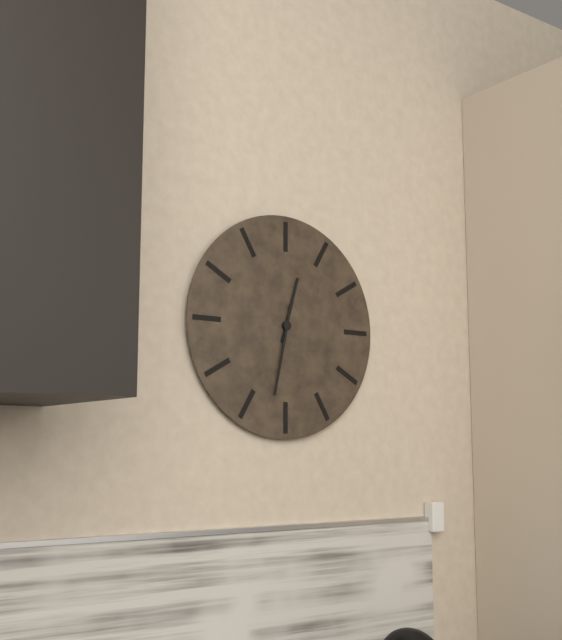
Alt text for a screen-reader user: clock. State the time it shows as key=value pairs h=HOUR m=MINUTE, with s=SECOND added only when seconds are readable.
h=12 m=32
